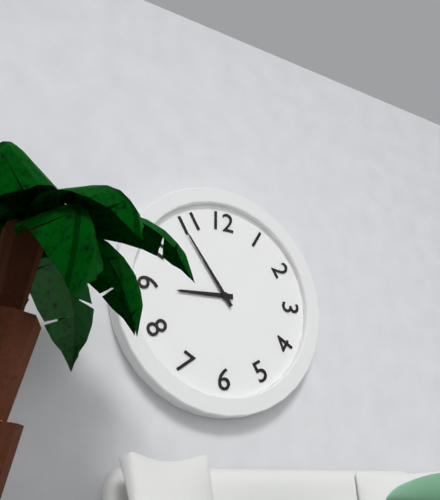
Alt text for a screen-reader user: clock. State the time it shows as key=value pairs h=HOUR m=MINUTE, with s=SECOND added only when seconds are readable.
h=8 m=54
